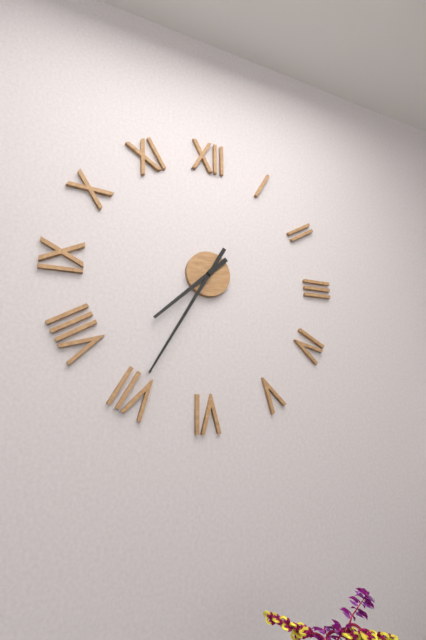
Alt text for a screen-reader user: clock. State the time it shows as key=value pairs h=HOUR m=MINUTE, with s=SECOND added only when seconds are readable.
h=7 m=35
